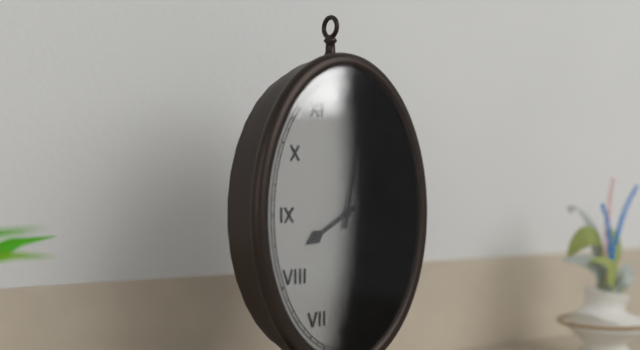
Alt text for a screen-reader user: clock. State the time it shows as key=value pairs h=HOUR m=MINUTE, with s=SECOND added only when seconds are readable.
h=8 m=2
